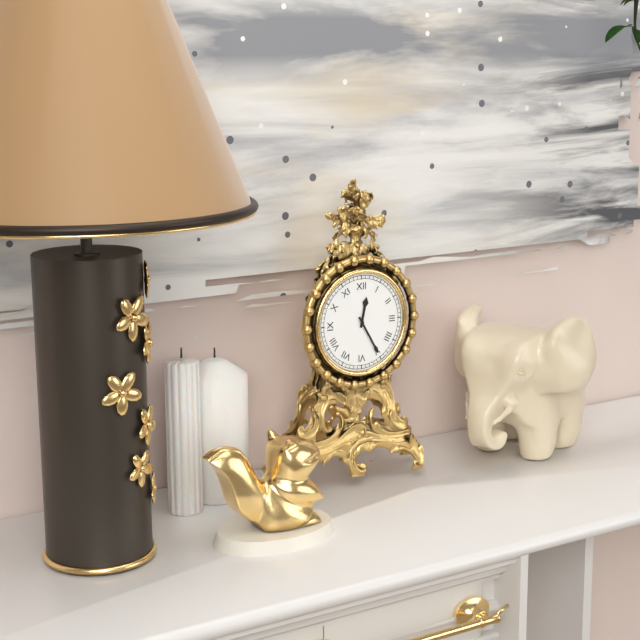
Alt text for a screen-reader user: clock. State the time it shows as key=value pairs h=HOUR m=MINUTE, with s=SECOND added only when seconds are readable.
h=12 m=25
